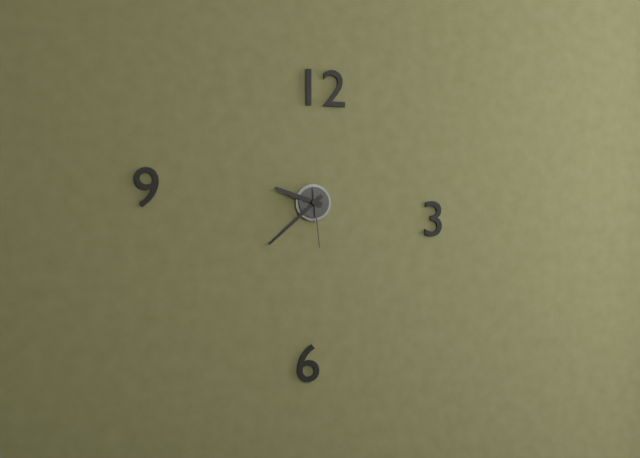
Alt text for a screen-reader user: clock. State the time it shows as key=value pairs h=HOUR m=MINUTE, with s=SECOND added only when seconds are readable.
h=9 m=38 s=29
